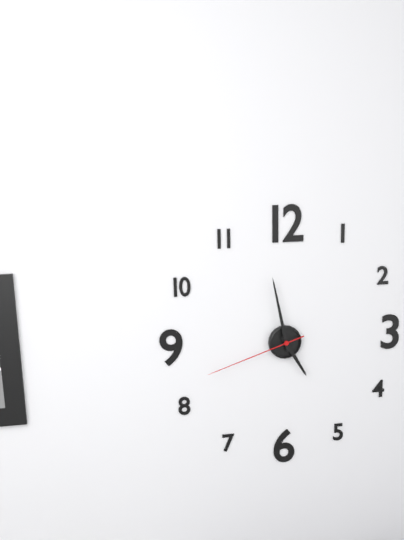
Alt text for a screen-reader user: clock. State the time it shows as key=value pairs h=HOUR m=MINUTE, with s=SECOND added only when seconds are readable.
h=4 m=58 s=42
